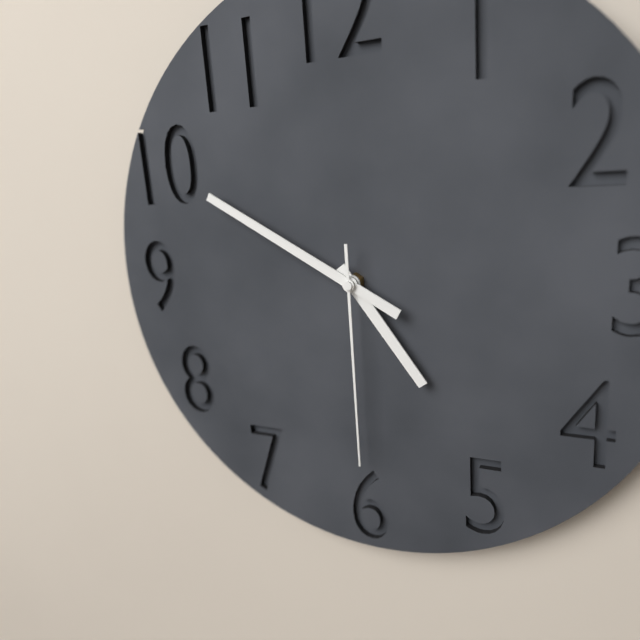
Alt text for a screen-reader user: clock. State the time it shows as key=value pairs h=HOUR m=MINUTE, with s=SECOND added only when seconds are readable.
h=4 m=50 s=30
